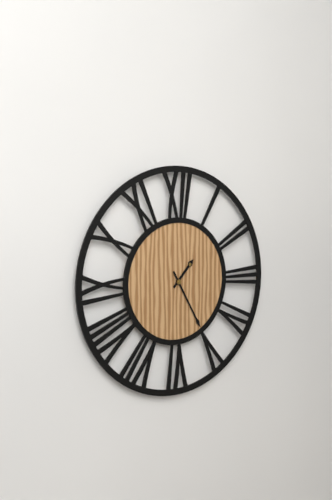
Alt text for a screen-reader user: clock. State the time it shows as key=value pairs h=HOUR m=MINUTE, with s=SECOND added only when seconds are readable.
h=1 m=25
